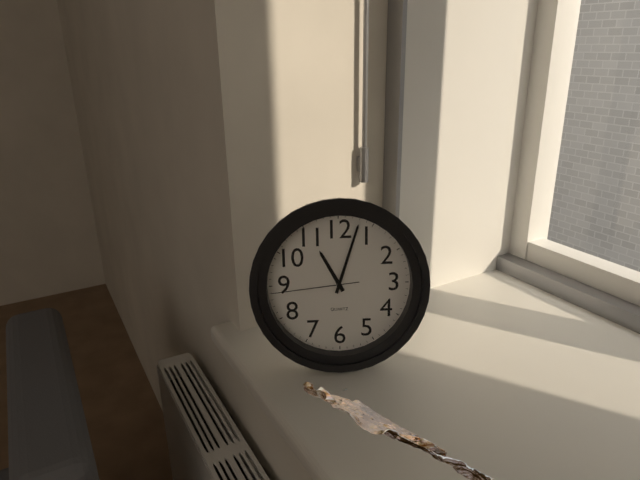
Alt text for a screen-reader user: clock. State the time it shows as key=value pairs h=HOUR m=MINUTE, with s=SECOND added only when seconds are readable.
h=11 m=3 s=44
